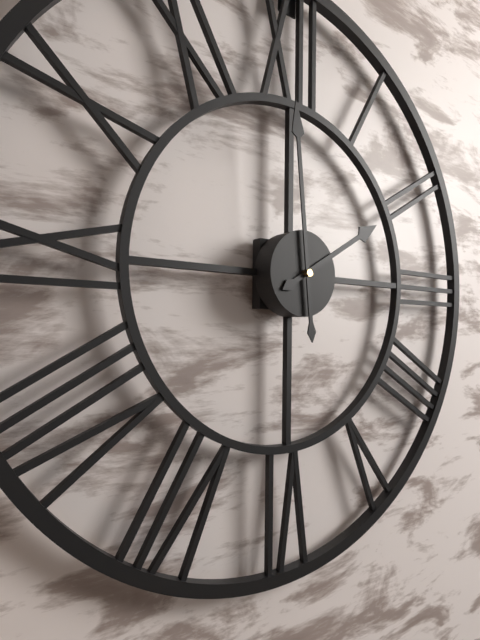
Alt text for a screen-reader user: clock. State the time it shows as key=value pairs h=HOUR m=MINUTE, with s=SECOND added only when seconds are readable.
h=1 m=59
